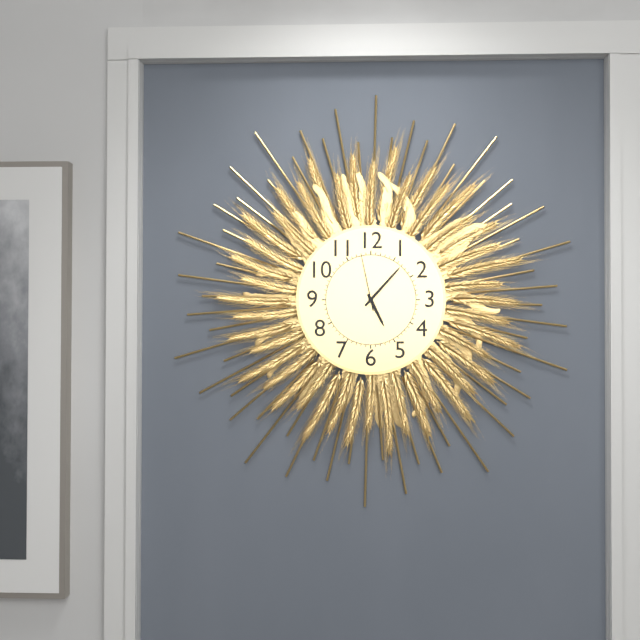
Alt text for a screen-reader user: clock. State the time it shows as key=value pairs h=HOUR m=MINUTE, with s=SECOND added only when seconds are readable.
h=5 m=7 s=58
